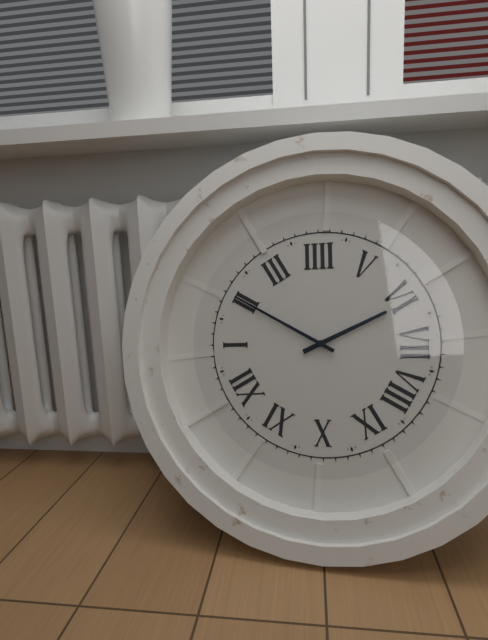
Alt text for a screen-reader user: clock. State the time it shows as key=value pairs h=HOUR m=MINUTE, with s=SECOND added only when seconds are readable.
h=6 m=10
